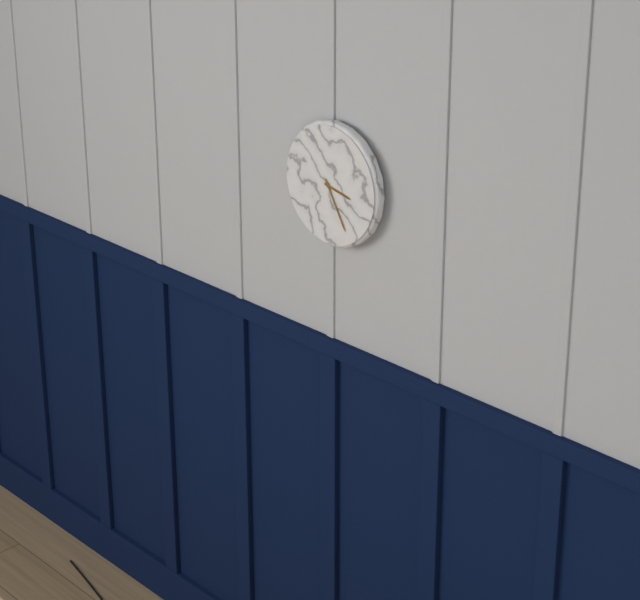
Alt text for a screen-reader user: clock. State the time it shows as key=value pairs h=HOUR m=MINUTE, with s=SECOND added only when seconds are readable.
h=3 m=25
